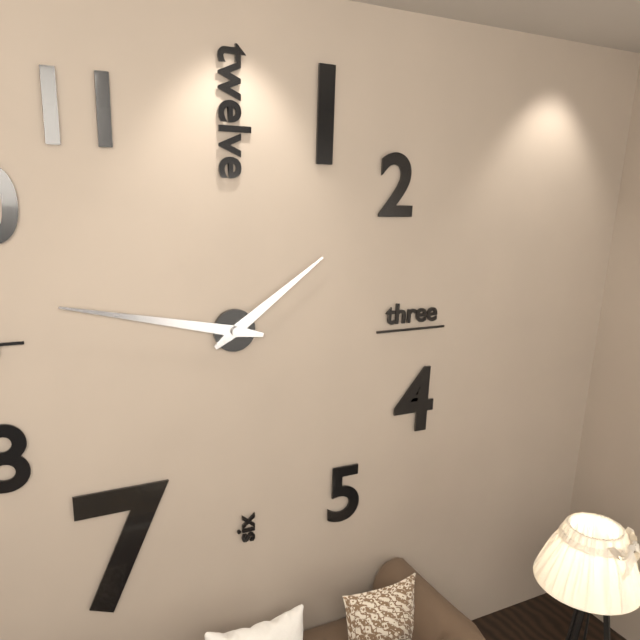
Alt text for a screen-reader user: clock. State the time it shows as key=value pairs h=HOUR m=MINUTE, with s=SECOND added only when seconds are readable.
h=1 m=47
